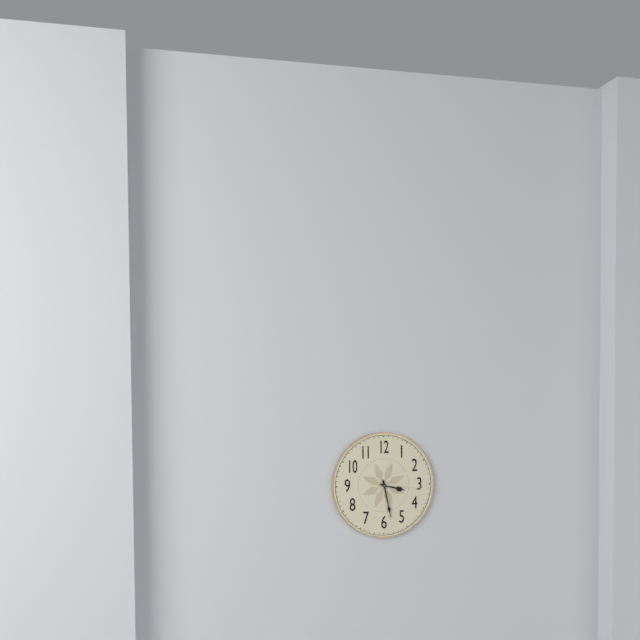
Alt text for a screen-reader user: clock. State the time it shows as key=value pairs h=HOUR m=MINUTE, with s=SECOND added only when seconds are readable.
h=3 m=28
